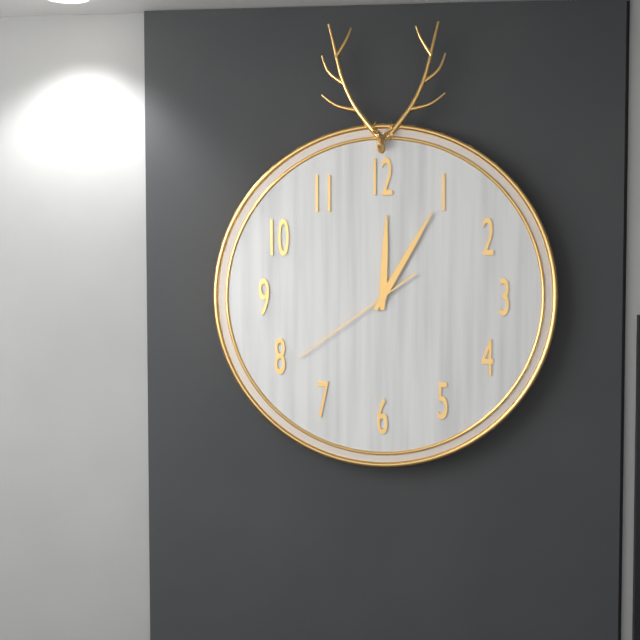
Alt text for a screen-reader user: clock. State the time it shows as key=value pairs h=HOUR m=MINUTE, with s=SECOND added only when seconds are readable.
h=12 m=5 s=39
